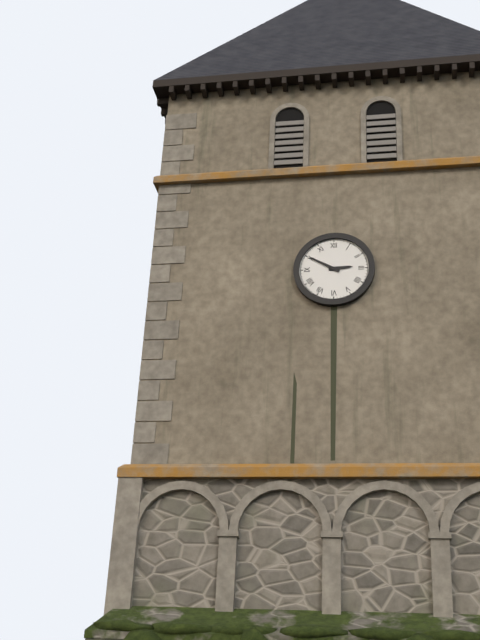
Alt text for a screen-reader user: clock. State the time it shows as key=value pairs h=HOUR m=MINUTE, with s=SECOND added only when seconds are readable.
h=2 m=50
